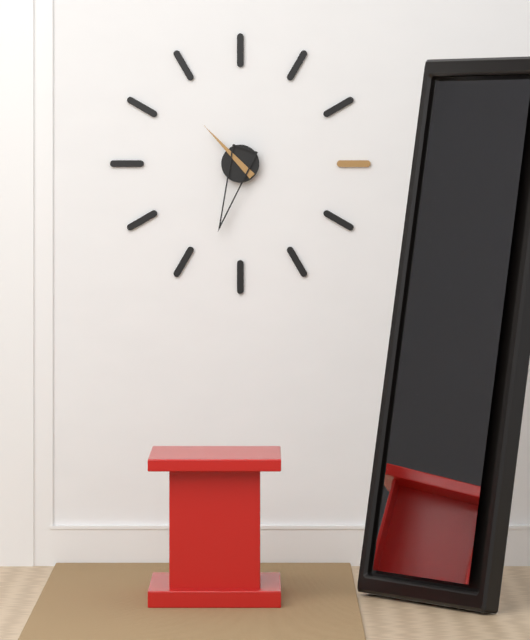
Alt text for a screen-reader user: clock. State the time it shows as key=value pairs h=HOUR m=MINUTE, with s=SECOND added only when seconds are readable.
h=10 m=33
